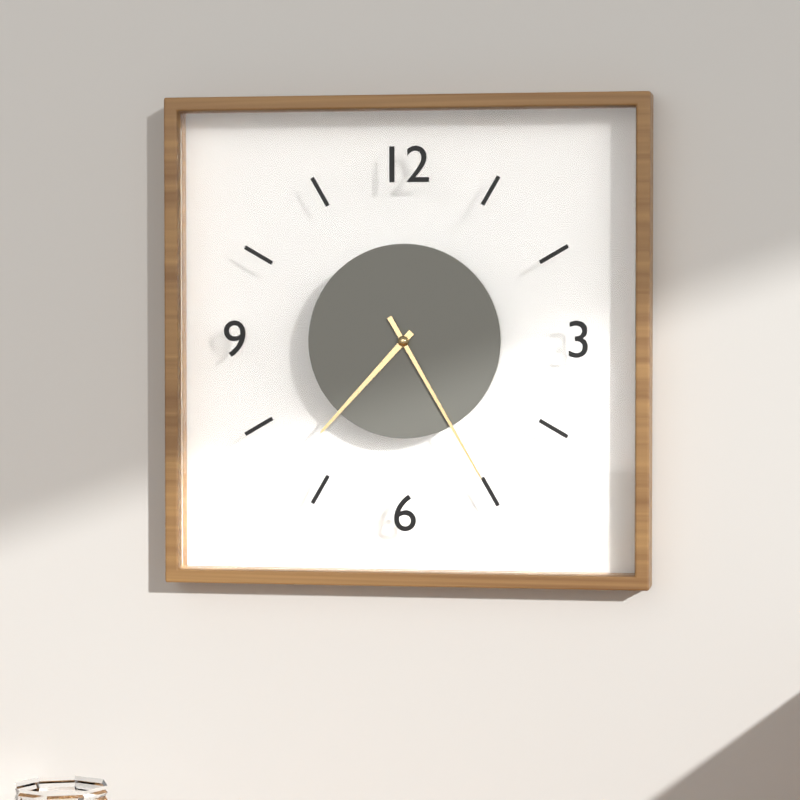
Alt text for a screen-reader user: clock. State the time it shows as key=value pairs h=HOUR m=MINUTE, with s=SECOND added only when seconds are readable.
h=7 m=25
